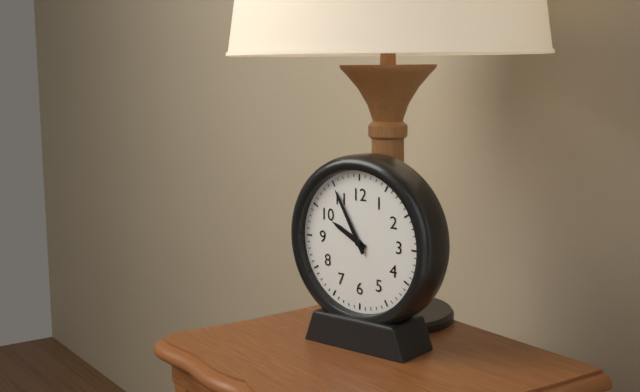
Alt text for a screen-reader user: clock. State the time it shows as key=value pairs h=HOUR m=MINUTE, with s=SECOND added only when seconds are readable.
h=9 m=55
